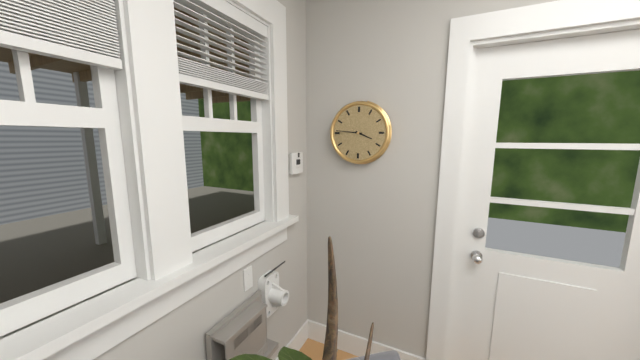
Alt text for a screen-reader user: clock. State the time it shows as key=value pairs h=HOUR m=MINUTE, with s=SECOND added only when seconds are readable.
h=3 m=46
